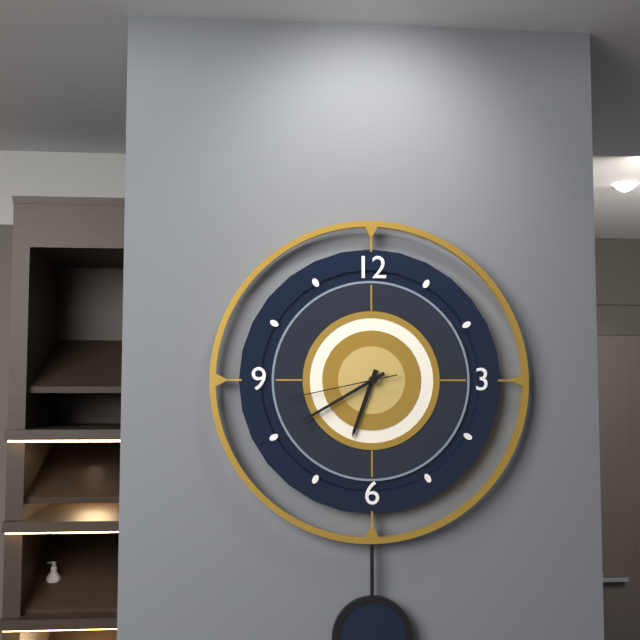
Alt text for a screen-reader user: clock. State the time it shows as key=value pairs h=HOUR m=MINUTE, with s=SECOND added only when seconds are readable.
h=6 m=40 s=43
